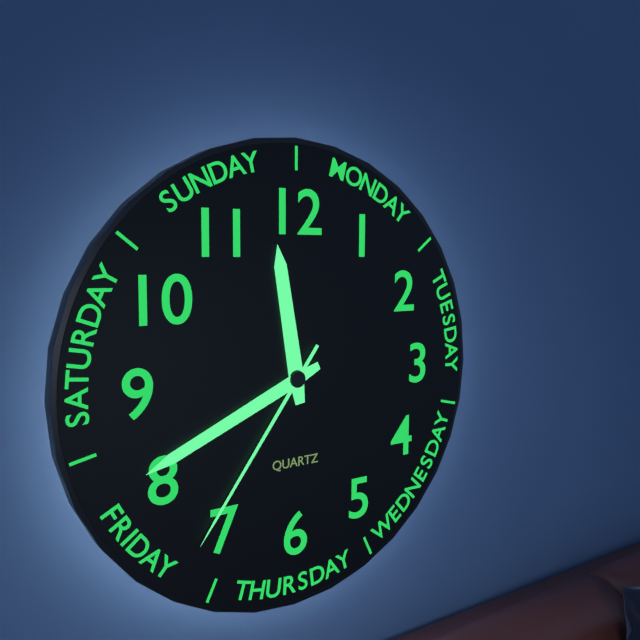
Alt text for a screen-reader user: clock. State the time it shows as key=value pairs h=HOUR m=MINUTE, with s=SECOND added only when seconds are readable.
h=11 m=41 s=36
